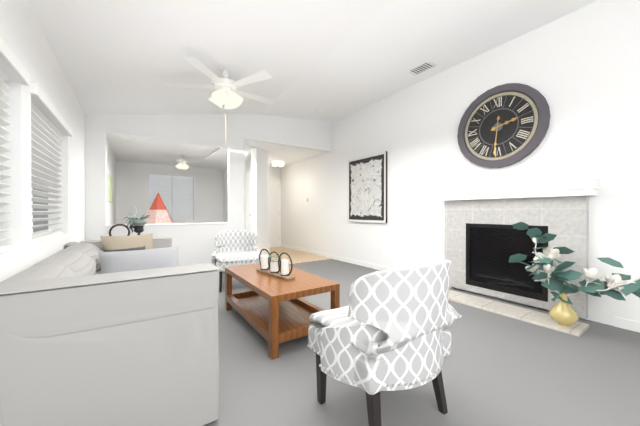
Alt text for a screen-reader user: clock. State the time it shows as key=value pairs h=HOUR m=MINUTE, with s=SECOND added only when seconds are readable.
h=2 m=31
